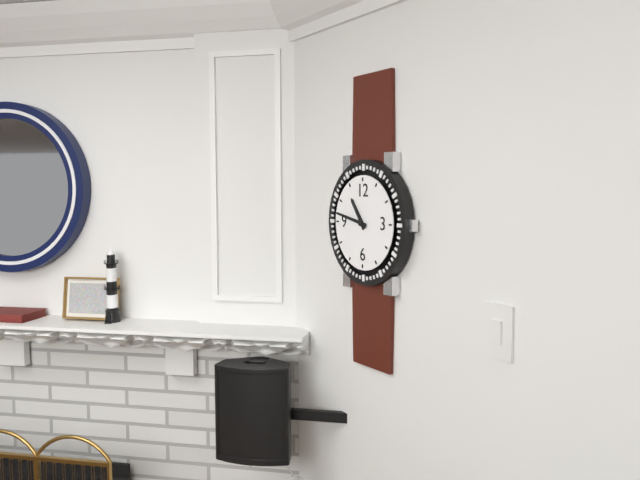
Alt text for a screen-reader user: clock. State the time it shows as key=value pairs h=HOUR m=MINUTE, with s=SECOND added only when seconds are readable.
h=10 m=47
